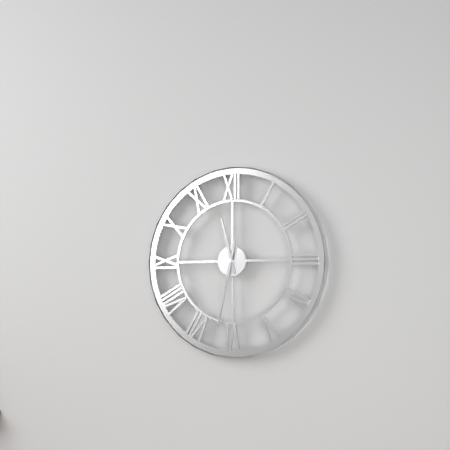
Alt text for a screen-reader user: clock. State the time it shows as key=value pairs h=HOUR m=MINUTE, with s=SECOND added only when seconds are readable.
h=11 m=32
